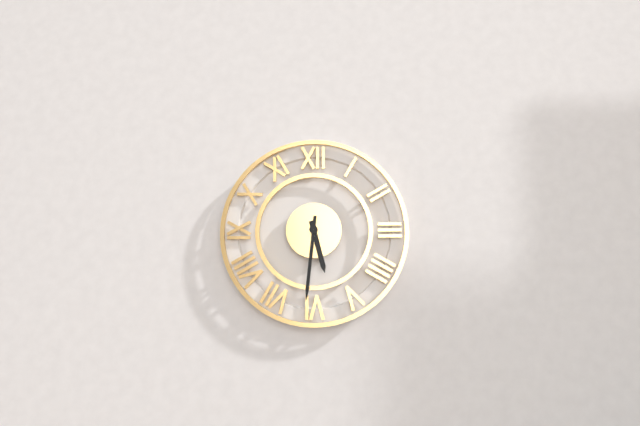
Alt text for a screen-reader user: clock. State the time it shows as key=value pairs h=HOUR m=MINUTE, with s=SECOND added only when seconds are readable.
h=5 m=31
